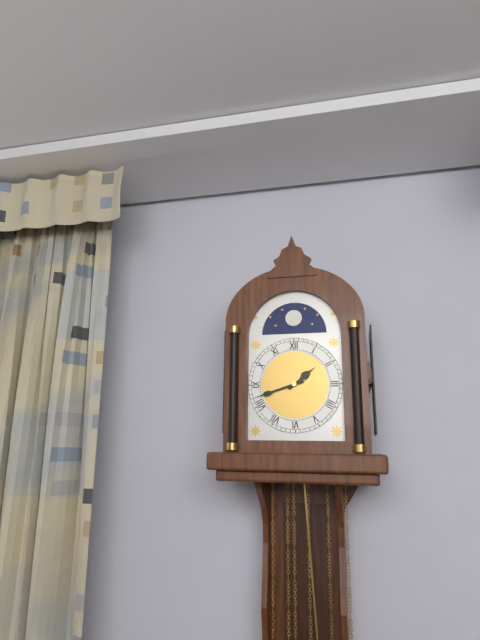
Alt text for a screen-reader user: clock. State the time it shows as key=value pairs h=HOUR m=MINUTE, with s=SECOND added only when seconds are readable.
h=1 m=42
